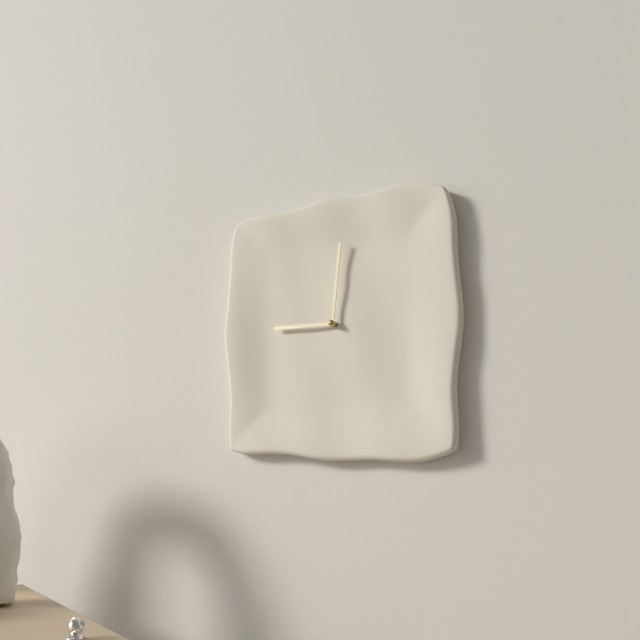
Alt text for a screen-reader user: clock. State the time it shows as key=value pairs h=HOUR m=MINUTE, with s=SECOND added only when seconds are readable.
h=9 m=1
